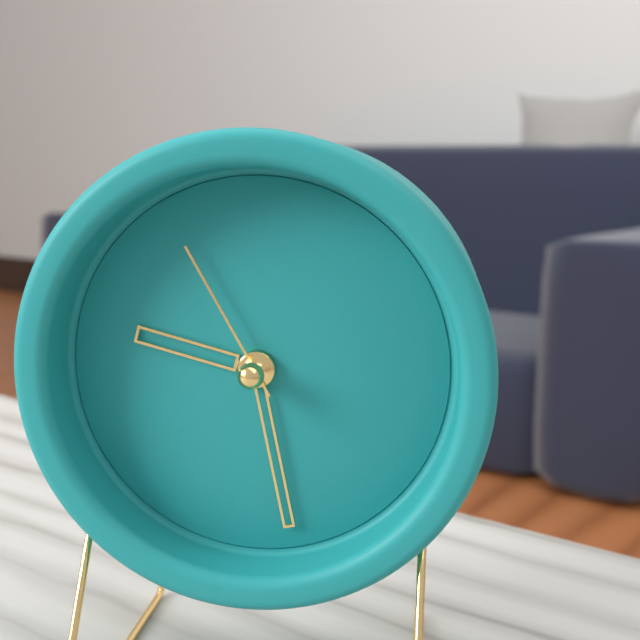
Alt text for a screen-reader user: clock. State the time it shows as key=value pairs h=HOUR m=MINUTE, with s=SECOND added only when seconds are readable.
h=9 m=28 s=55
